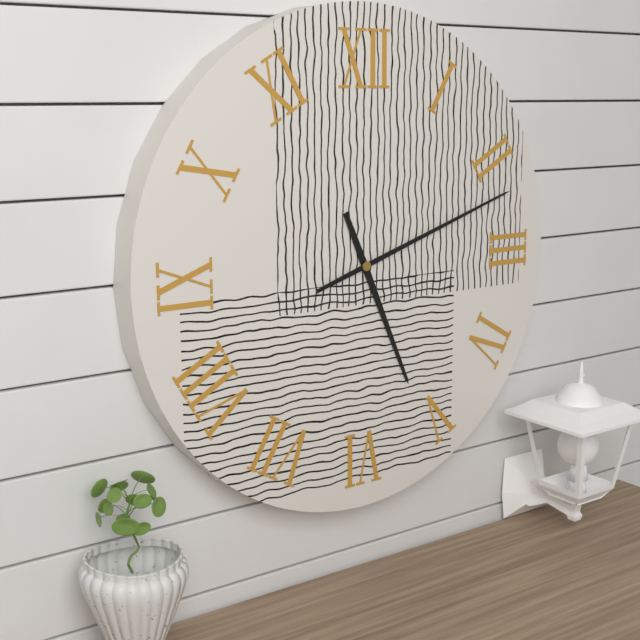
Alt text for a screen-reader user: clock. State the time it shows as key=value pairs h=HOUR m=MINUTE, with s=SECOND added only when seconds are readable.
h=5 m=12
